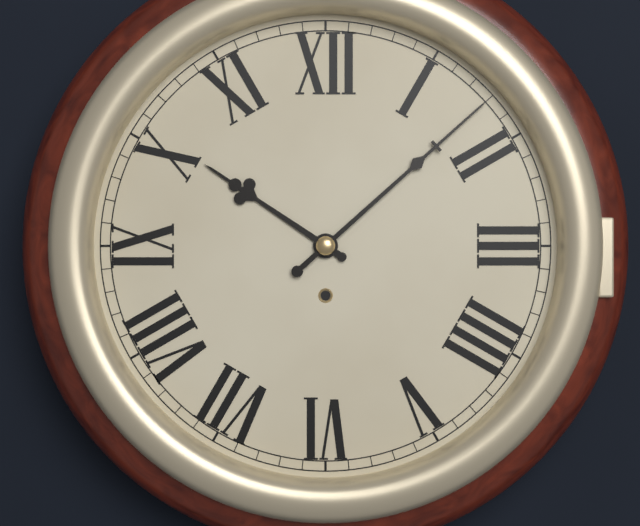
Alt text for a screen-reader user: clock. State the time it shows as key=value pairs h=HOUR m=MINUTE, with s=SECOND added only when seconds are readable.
h=10 m=8
